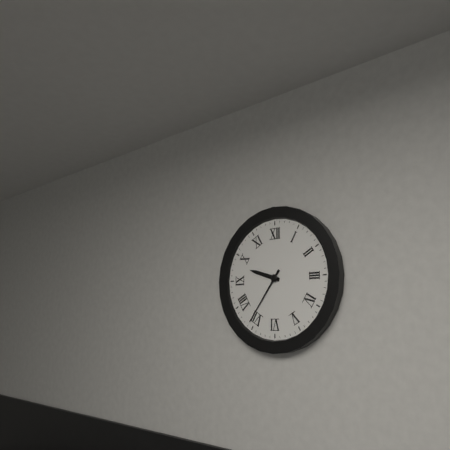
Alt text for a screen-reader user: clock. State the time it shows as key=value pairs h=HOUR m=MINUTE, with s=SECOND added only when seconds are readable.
h=9 m=36
